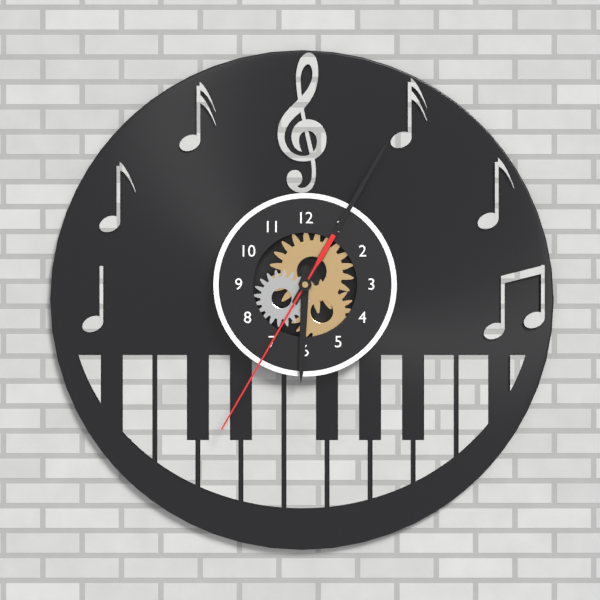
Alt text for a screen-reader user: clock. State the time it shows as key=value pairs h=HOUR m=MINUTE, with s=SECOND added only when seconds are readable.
h=6 m=5 s=35
